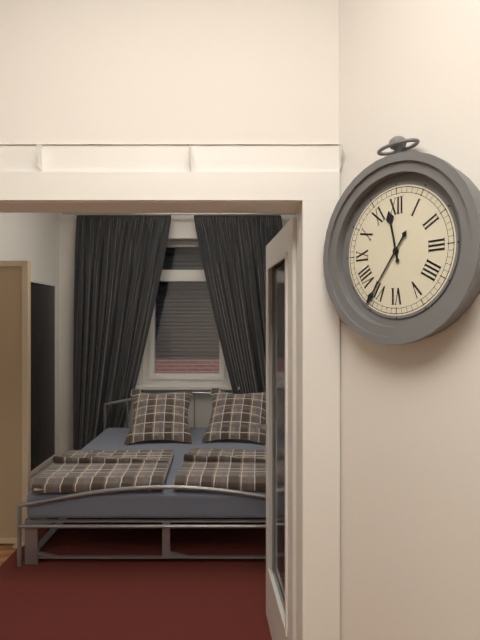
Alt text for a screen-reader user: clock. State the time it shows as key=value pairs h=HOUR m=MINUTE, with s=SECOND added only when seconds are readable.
h=11 m=36
